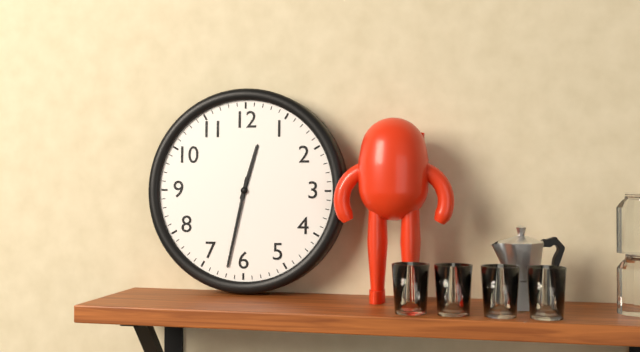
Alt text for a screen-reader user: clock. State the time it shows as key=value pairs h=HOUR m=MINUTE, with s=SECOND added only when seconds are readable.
h=12 m=32
